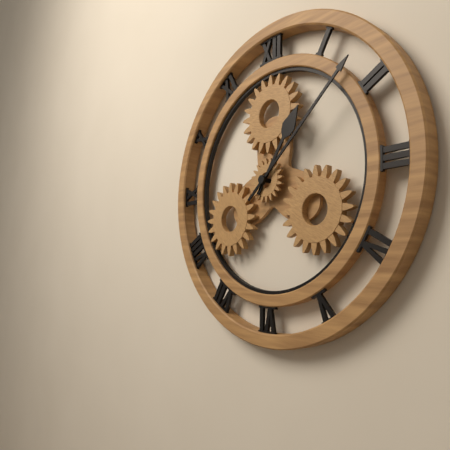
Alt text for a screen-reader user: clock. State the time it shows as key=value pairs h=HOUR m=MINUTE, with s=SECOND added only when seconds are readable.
h=1 m=8
